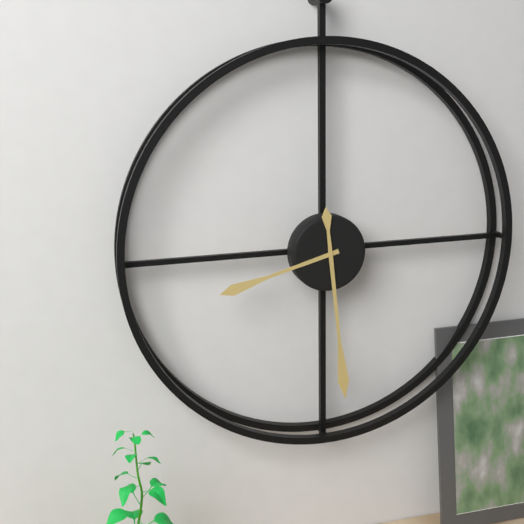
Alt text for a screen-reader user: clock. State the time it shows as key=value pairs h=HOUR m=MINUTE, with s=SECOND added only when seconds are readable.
h=8 m=29
